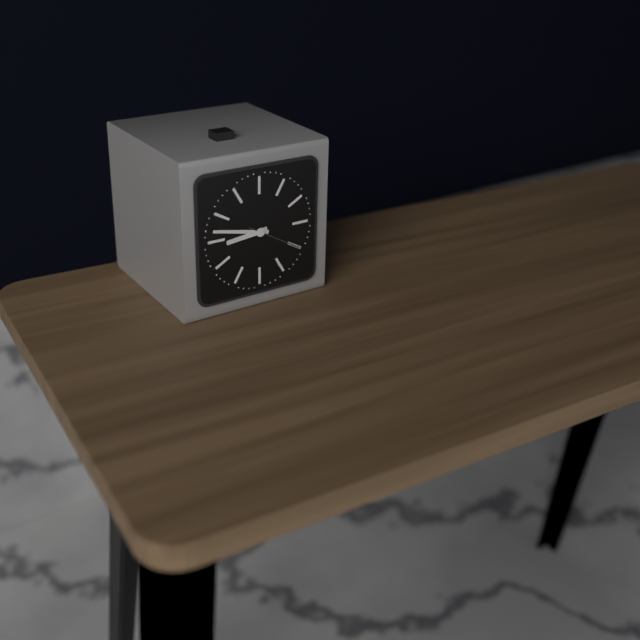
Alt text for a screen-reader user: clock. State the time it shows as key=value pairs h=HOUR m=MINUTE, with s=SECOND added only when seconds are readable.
h=8 m=47 s=20
